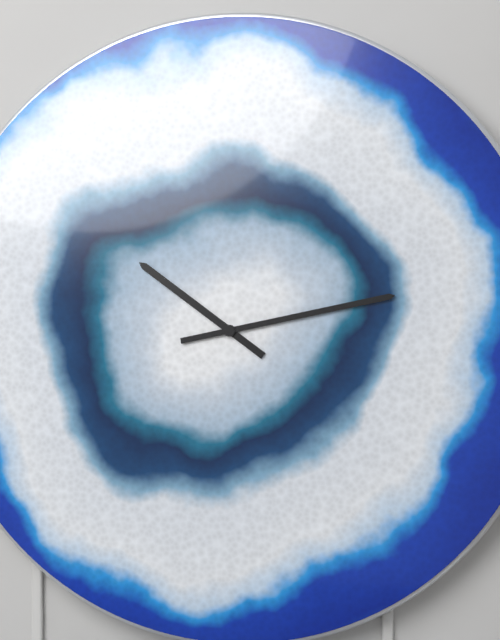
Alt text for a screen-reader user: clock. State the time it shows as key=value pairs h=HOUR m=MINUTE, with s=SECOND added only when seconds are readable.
h=10 m=13
